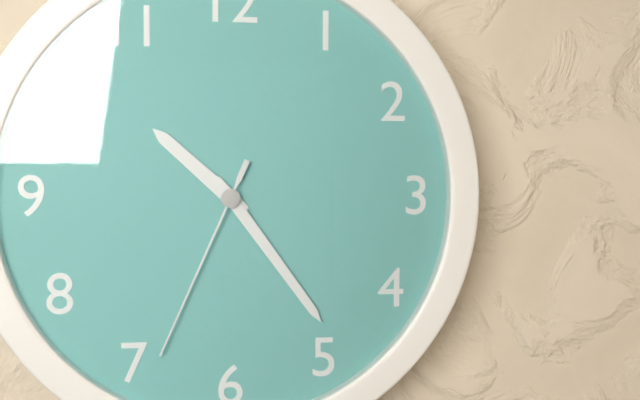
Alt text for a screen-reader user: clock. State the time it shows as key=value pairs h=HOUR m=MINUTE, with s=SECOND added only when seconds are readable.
h=10 m=24 s=34
